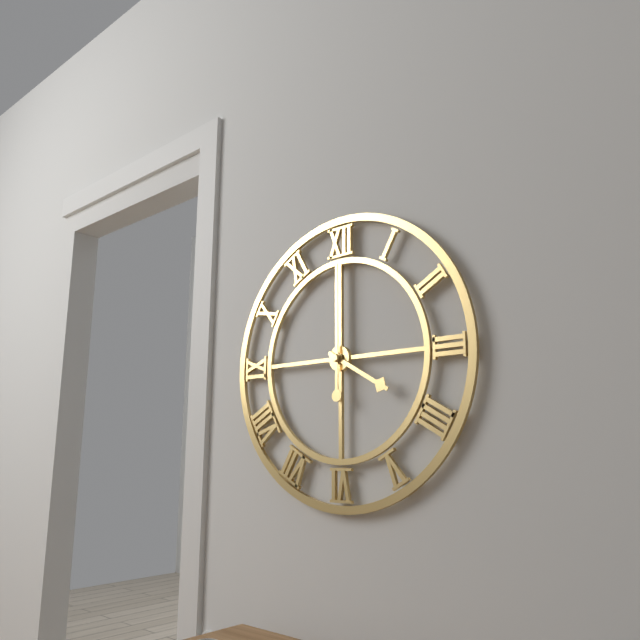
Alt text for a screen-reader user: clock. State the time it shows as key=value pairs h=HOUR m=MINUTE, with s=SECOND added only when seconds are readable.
h=4 m=0
